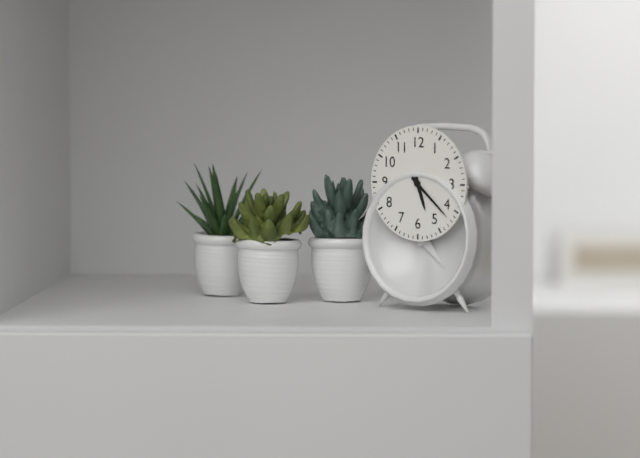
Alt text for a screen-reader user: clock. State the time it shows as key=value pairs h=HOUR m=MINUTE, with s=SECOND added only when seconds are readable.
h=5 m=22
